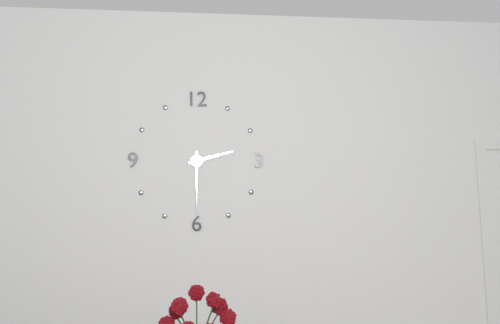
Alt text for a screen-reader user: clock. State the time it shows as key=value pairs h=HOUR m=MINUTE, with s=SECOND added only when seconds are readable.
h=2 m=30
